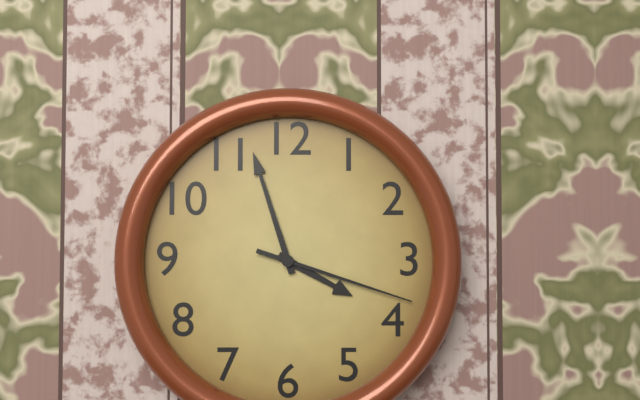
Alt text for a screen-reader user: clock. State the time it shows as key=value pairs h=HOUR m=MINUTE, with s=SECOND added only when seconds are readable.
h=3 m=57 s=18
